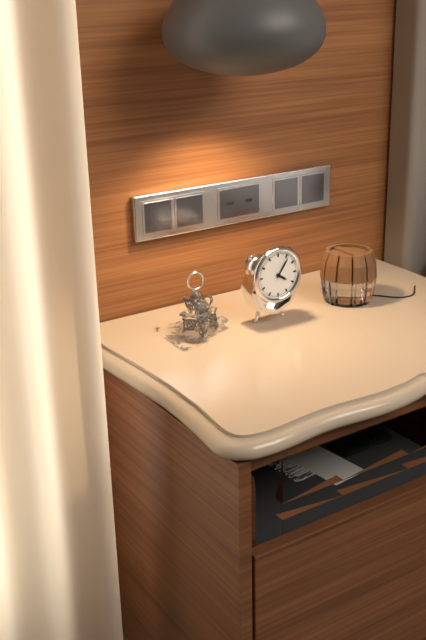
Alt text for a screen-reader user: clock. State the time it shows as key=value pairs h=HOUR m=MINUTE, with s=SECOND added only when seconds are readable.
h=4 m=6
